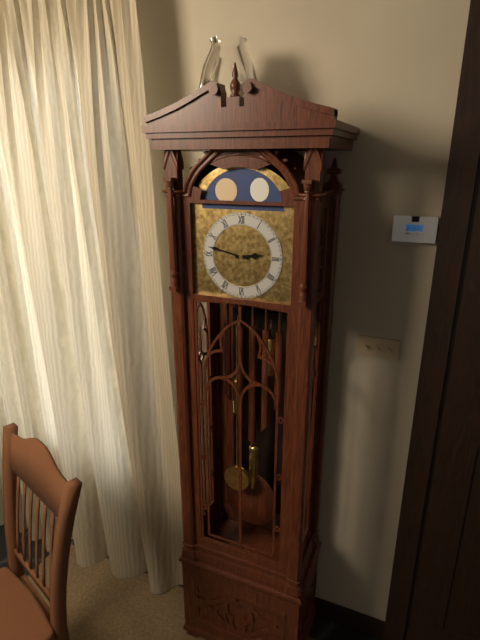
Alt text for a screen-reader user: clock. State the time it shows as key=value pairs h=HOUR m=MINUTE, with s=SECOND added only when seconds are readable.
h=2 m=47
